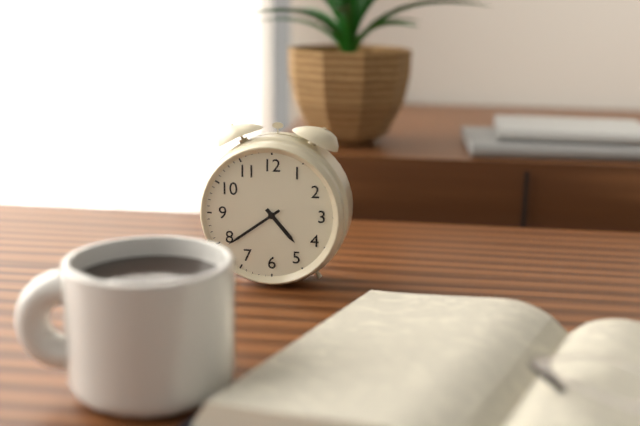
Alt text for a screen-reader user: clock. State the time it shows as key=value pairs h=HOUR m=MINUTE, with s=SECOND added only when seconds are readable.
h=4 m=39
